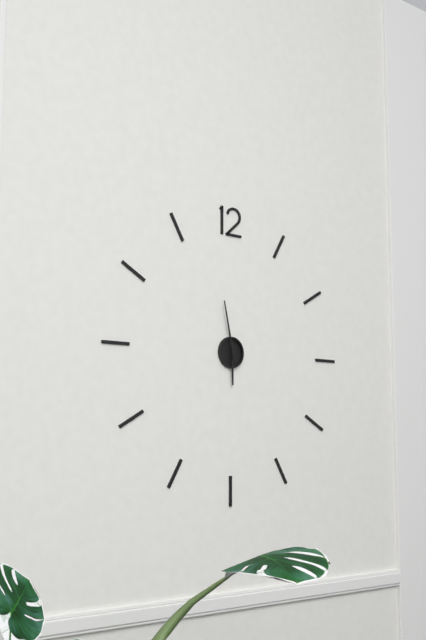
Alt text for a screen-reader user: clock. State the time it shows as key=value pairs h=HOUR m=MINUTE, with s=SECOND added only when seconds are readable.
h=5 m=58
